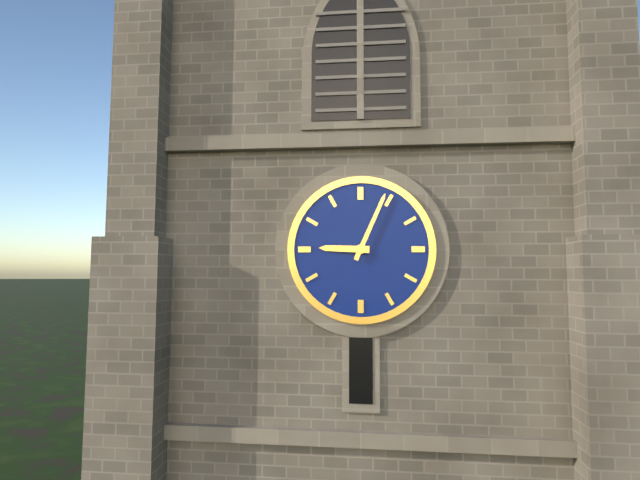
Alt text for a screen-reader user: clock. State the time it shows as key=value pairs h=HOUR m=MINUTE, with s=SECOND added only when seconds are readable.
h=9 m=4
